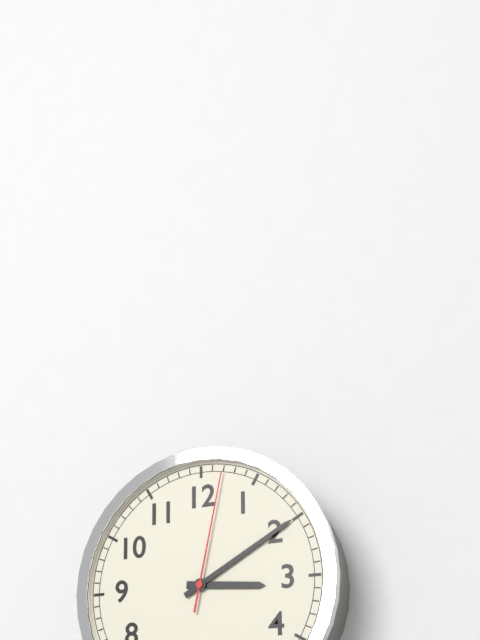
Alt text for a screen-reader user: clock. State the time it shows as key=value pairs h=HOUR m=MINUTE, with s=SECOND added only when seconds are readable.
h=3 m=10 s=2
